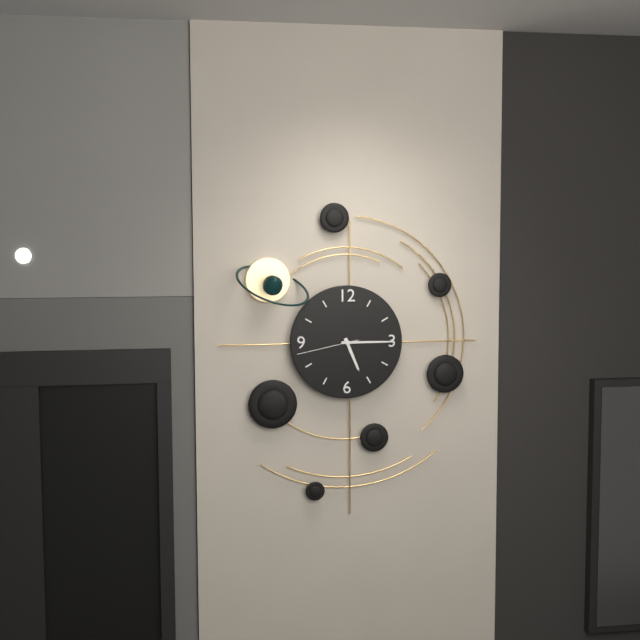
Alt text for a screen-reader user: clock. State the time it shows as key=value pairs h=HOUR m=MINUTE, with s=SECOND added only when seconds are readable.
h=5 m=15 s=43
